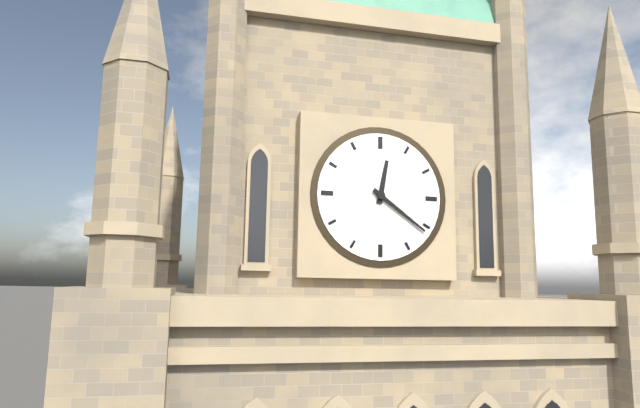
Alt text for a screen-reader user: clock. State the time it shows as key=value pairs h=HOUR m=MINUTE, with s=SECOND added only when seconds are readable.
h=12 m=21
